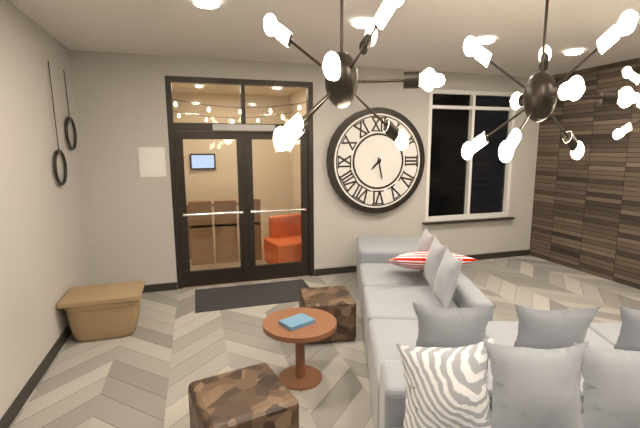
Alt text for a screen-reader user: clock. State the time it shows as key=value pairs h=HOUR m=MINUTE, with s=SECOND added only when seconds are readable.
h=7 m=28
